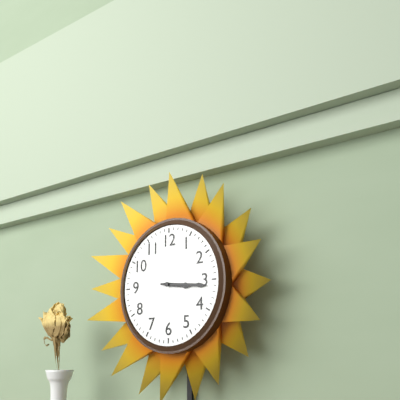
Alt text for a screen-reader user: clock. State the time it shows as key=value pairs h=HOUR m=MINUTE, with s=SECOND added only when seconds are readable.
h=3 m=16
